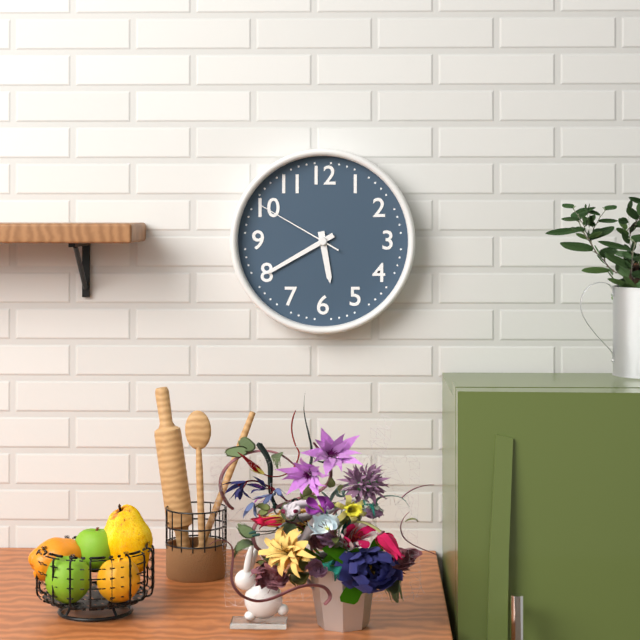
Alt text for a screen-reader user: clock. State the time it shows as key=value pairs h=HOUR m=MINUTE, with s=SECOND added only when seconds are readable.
h=5 m=40 s=50
